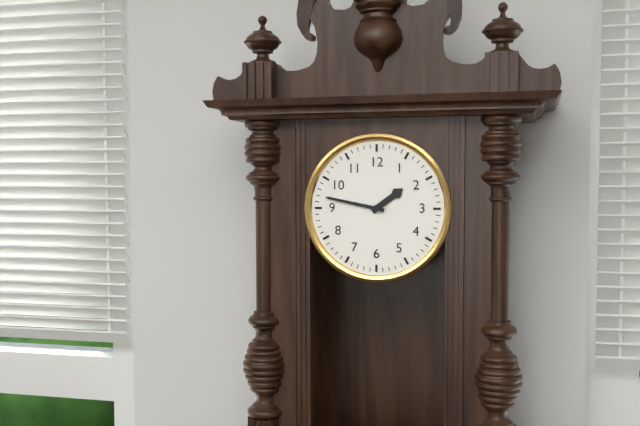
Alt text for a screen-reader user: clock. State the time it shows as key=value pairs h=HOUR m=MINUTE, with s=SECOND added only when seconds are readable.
h=1 m=47
